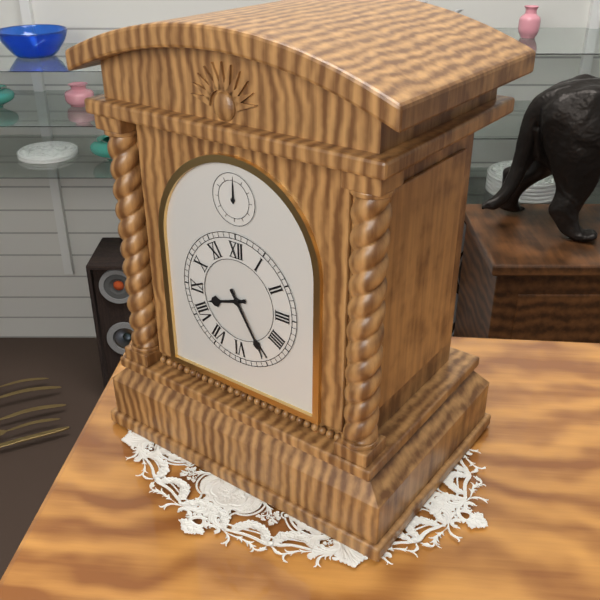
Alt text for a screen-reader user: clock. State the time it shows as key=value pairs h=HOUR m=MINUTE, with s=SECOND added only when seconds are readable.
h=8 m=25
